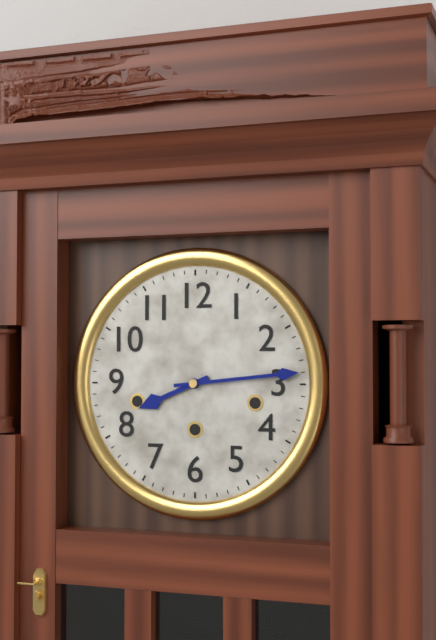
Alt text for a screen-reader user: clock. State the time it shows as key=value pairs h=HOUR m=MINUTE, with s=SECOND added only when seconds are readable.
h=8 m=14
